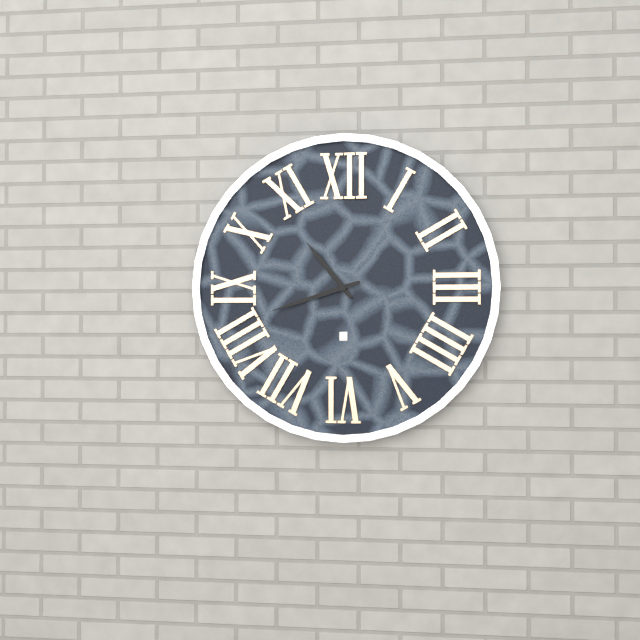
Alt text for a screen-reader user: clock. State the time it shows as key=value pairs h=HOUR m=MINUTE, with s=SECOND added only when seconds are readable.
h=10 m=42
